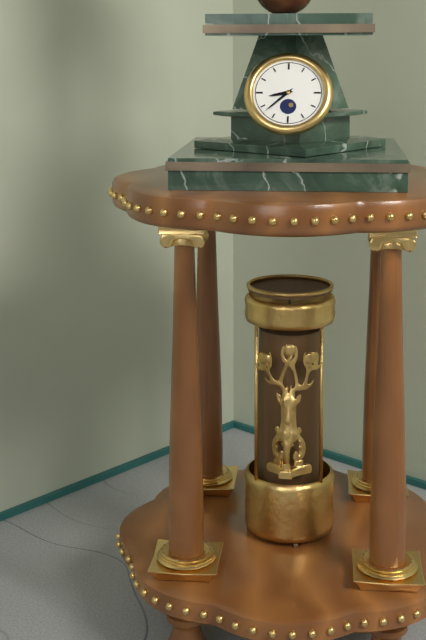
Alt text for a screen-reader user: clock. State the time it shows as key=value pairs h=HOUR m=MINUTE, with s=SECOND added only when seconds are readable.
h=8 m=38
